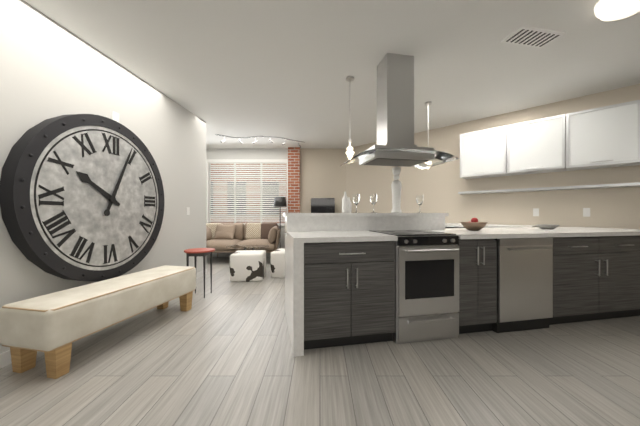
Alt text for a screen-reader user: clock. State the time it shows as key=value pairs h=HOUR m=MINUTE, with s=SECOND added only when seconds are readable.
h=10 m=4
